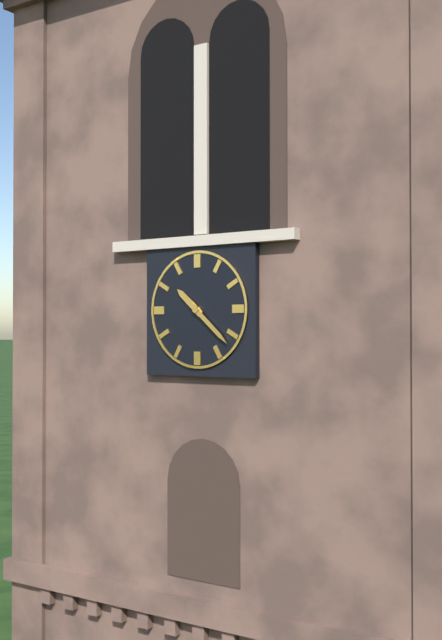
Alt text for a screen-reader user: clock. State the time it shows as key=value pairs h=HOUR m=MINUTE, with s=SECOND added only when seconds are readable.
h=10 m=22
